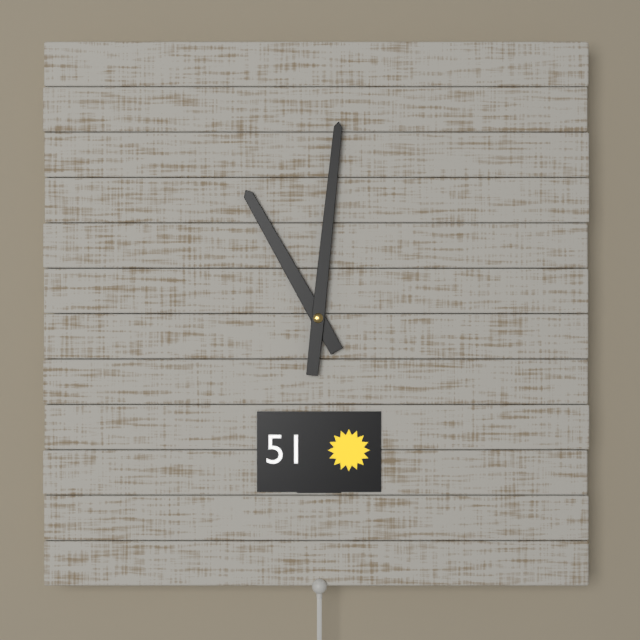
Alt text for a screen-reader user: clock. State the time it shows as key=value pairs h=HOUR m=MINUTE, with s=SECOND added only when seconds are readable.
h=11 m=1
